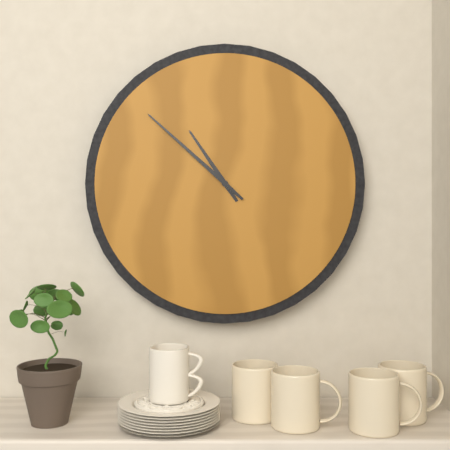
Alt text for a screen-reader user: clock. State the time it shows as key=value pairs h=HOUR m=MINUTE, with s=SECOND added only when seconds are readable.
h=10 m=52
